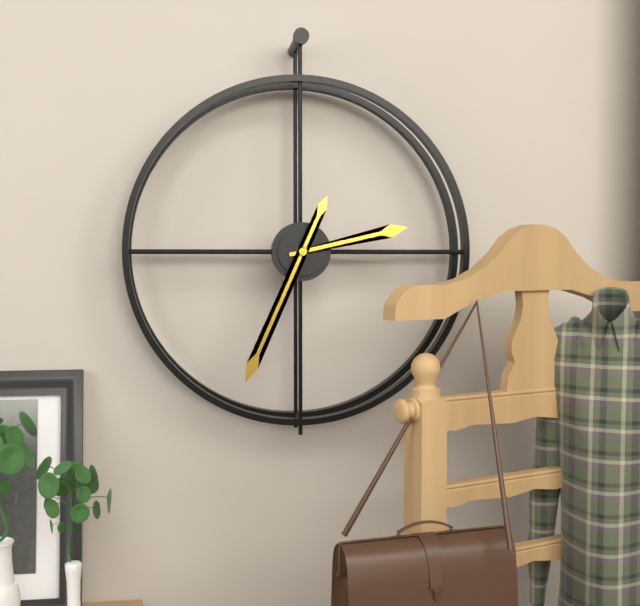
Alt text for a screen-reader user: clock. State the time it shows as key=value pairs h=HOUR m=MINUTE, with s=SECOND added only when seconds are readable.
h=2 m=34
